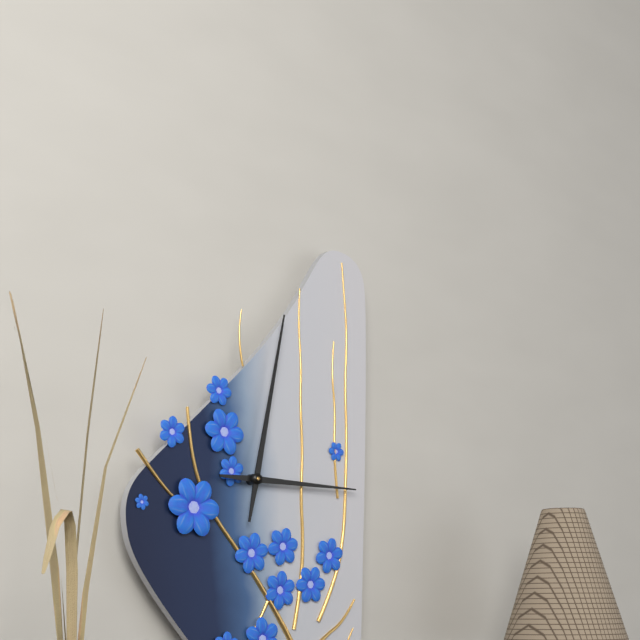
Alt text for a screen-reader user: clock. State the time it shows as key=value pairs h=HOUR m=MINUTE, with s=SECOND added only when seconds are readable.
h=3 m=2
